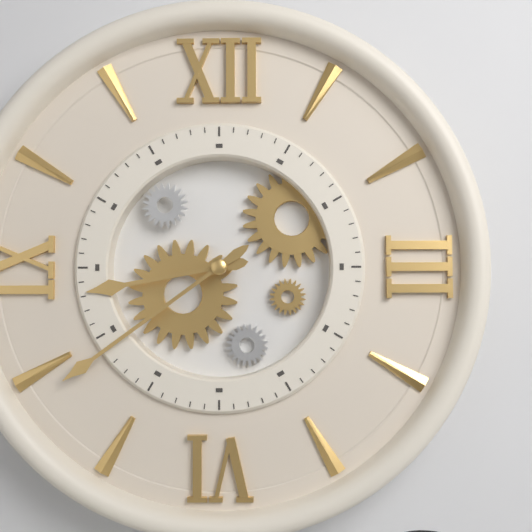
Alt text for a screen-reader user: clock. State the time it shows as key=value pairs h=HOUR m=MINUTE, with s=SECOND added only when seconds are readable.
h=8 m=39
